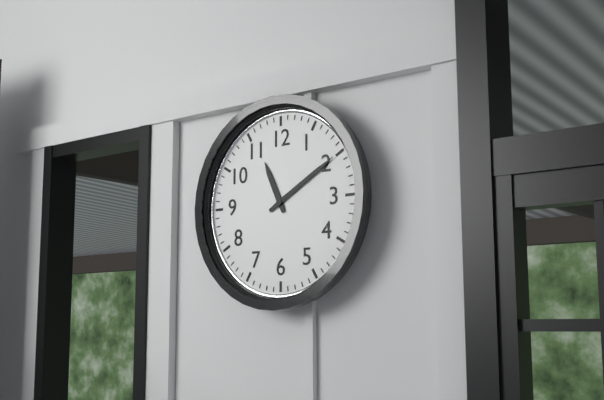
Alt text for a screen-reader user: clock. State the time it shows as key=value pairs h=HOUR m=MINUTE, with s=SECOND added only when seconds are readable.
h=11 m=10
